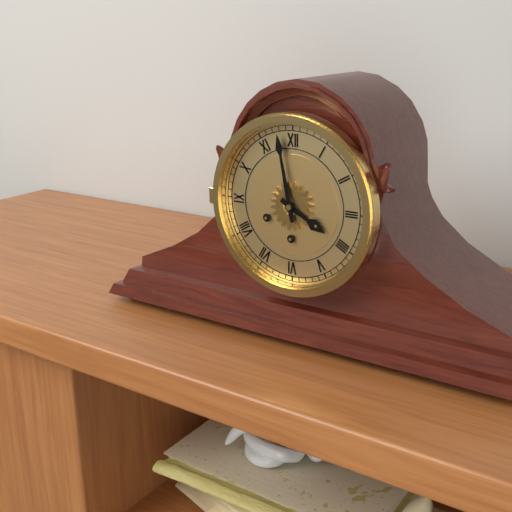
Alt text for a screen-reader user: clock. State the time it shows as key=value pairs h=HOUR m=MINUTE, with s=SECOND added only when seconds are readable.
h=3 m=58
